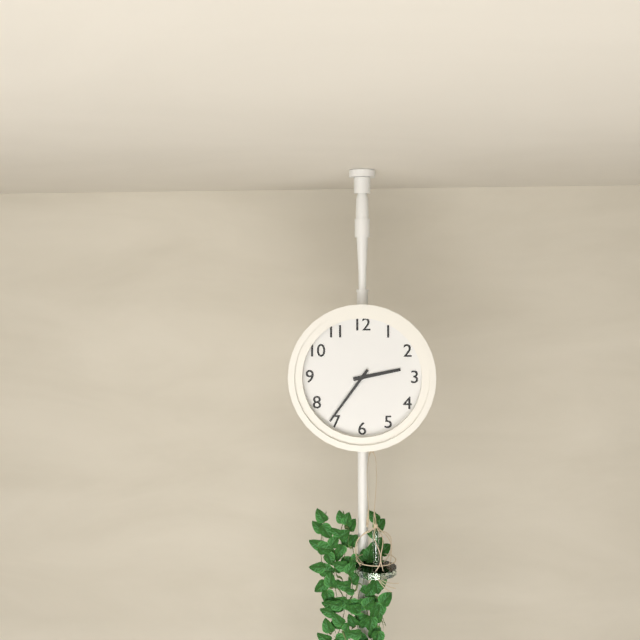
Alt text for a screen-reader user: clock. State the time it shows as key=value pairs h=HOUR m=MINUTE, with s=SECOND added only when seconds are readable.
h=2 m=36
